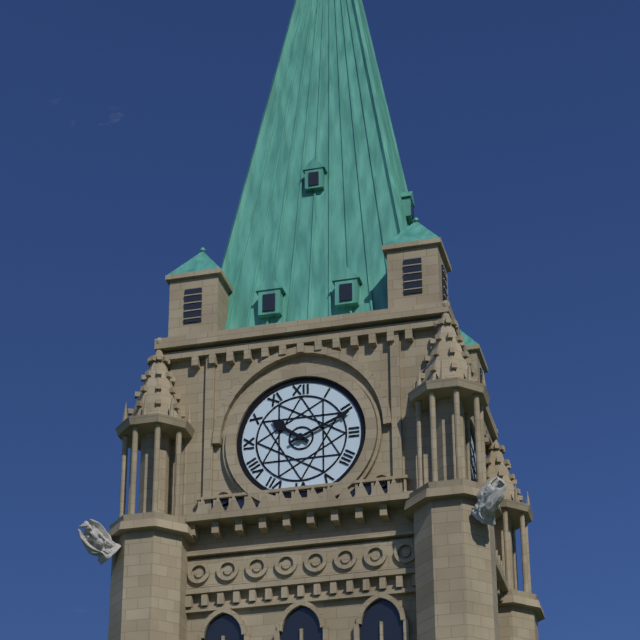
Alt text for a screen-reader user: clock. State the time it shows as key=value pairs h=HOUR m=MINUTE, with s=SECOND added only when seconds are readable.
h=10 m=11
